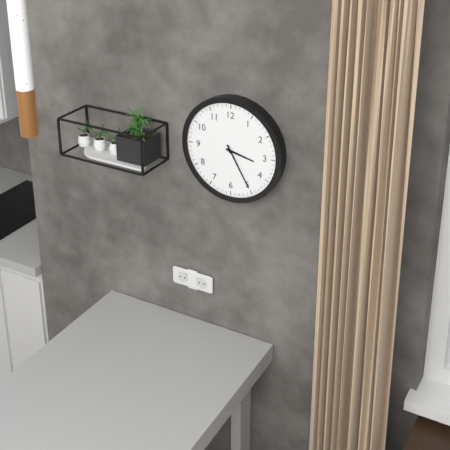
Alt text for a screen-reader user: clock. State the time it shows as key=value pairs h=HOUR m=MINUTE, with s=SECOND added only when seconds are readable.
h=3 m=25
